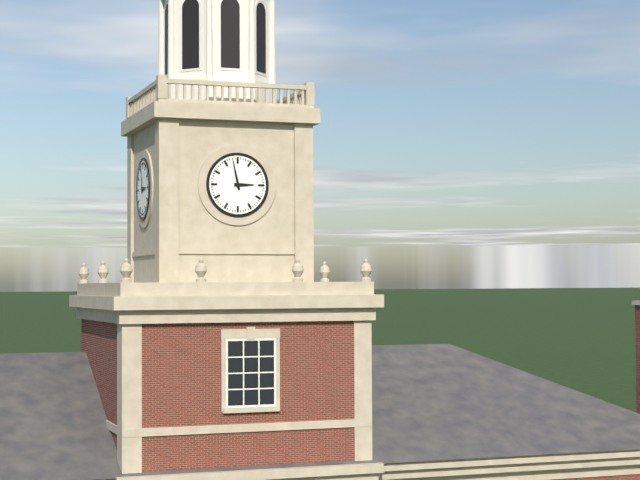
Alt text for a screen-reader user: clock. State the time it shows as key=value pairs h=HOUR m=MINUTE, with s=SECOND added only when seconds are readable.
h=2 m=58
